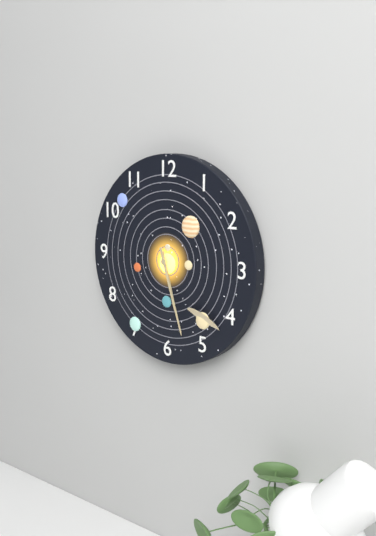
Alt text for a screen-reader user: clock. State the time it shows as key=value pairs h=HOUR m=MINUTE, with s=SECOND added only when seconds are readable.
h=5 m=27
